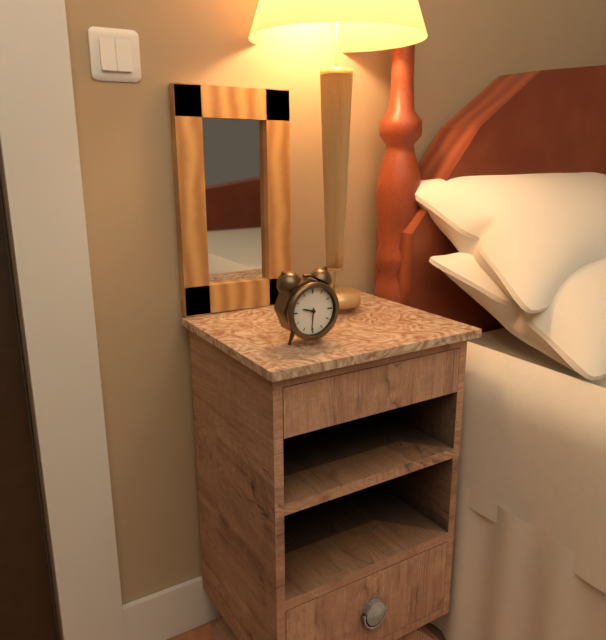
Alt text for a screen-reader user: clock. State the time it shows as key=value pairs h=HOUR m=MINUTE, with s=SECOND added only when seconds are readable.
h=9 m=31
